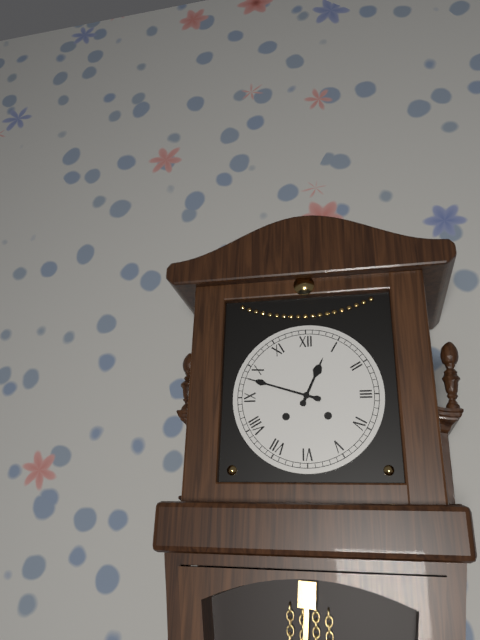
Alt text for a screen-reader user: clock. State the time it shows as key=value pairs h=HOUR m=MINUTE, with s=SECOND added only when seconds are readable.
h=12 m=48
